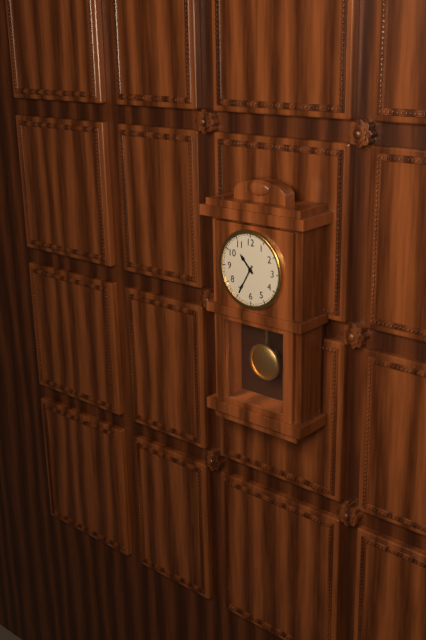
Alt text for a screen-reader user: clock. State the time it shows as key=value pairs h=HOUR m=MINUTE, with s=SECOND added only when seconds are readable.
h=10 m=35
